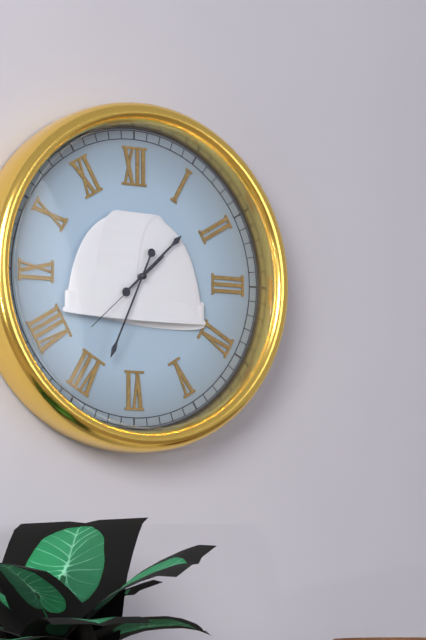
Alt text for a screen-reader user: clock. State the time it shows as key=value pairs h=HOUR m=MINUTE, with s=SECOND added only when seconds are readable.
h=1 m=34 s=38
